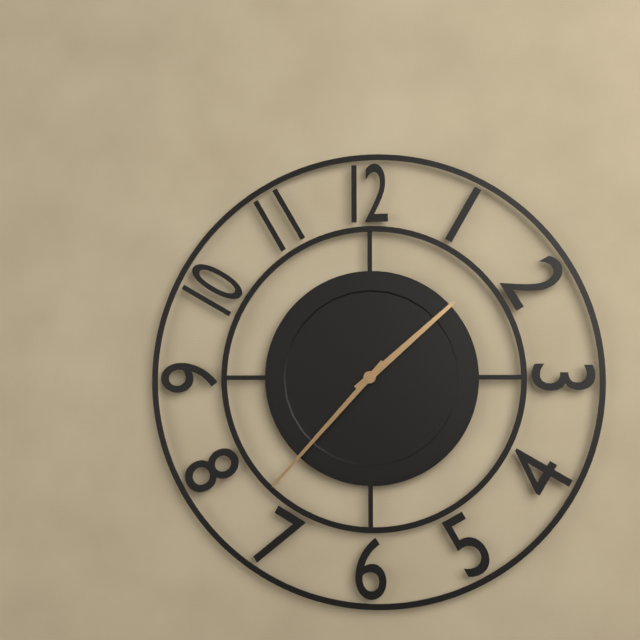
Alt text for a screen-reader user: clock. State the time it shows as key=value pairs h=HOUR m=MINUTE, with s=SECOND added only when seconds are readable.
h=1 m=37
